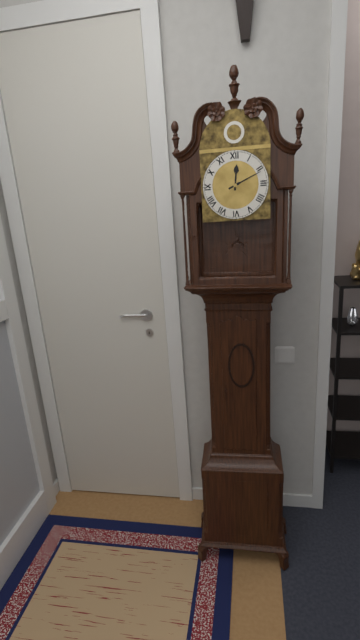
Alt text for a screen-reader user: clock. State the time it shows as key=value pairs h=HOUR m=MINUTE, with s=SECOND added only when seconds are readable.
h=12 m=11
